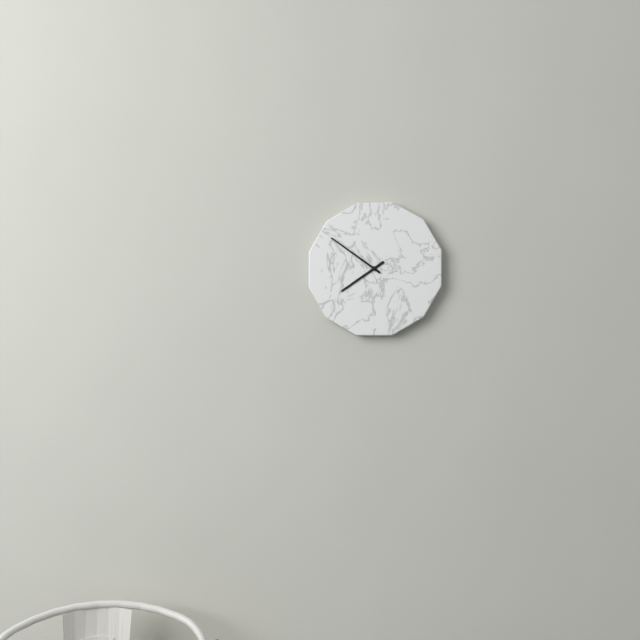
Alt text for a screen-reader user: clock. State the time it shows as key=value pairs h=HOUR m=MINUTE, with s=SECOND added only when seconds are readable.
h=7 m=51
